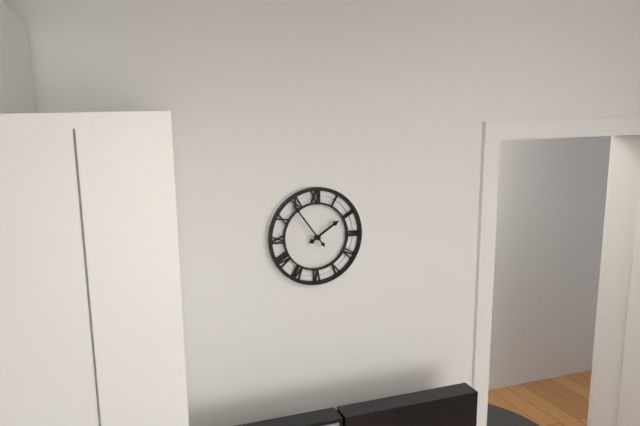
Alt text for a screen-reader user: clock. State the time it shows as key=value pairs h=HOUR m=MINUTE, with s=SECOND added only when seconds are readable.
h=1 m=54
